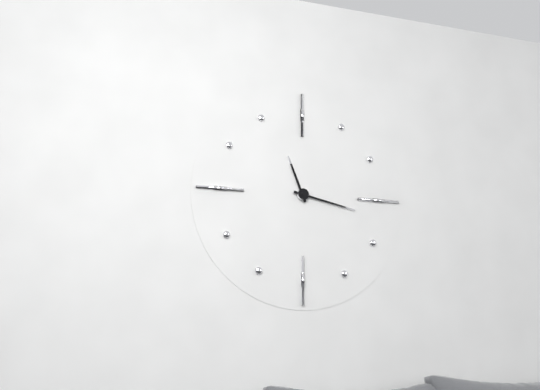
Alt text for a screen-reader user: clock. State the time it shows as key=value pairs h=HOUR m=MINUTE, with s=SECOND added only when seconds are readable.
h=11 m=17
